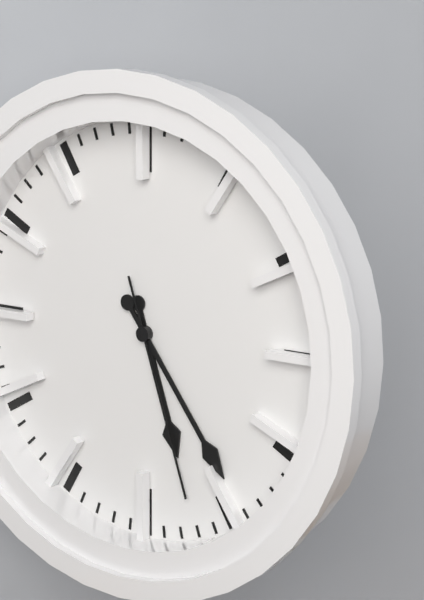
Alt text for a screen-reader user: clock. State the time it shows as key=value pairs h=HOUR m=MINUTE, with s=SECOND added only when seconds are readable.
h=5 m=24 s=27
